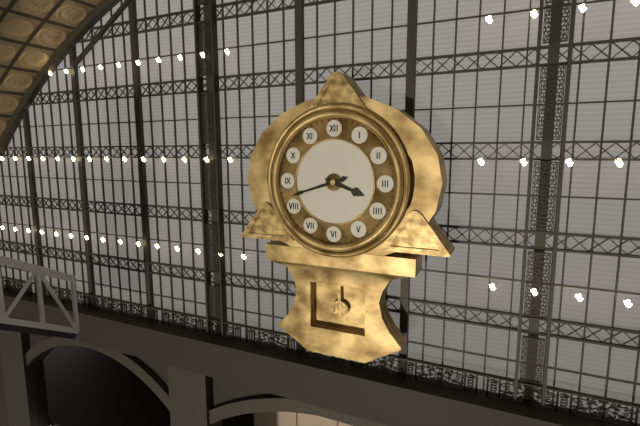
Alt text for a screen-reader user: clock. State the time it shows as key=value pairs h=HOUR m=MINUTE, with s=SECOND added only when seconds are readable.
h=3 m=42
